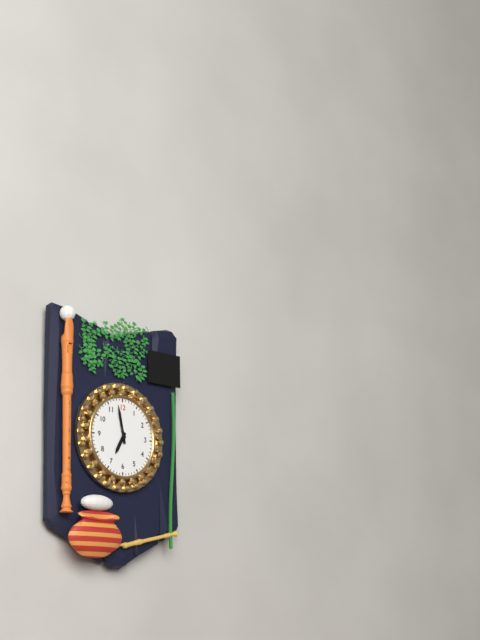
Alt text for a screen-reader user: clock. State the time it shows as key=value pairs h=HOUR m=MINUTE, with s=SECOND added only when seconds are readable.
h=6 m=58
